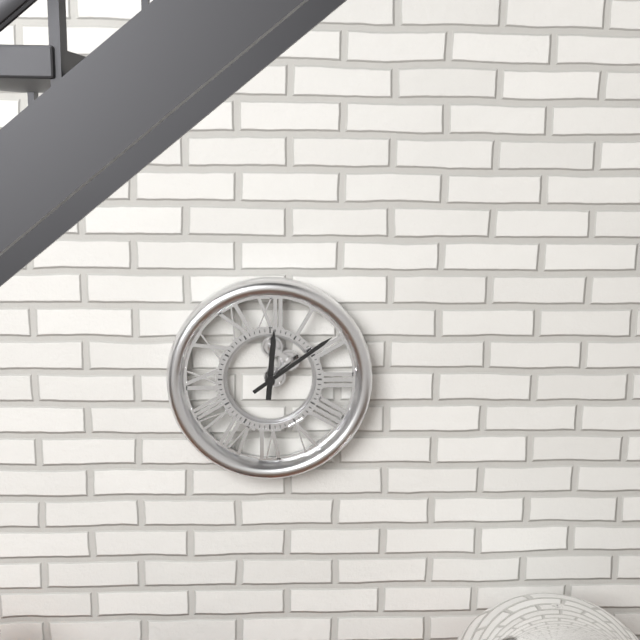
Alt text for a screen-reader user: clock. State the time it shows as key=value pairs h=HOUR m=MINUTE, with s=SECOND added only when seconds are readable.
h=12 m=9
